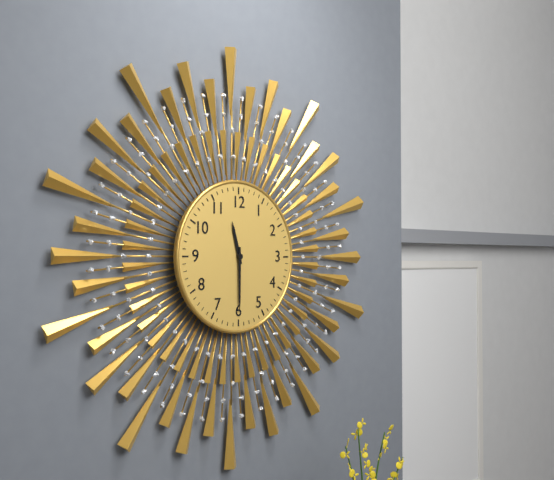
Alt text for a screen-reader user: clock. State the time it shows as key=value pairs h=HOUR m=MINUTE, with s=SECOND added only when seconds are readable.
h=11 m=30
